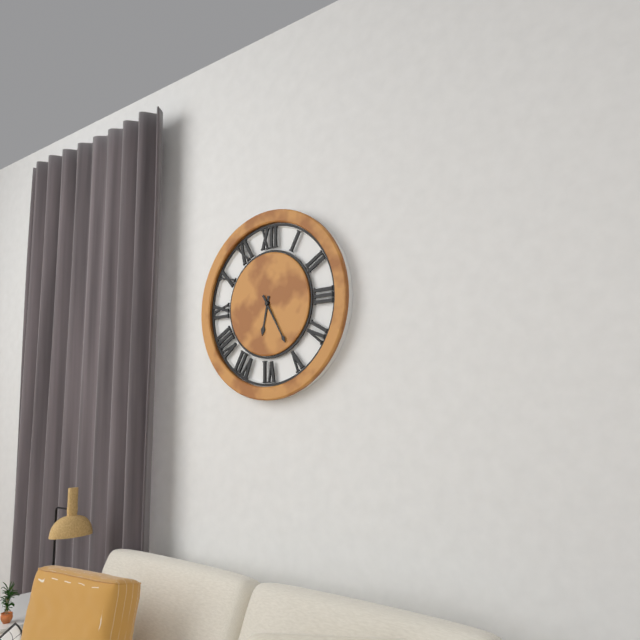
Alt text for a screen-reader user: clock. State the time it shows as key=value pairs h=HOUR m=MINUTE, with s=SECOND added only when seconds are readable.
h=6 m=25
